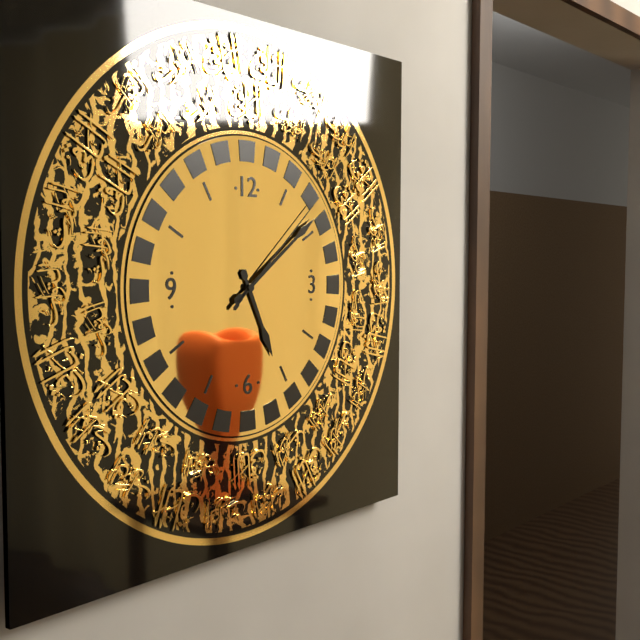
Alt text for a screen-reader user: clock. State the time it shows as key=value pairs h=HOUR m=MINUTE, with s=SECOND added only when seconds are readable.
h=5 m=9 s=8
